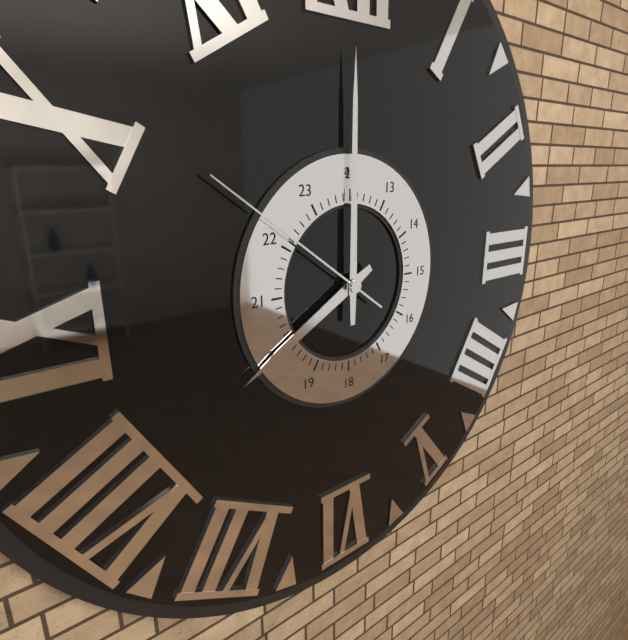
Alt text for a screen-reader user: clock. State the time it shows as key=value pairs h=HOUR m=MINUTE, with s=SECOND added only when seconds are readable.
h=8 m=0 s=51
